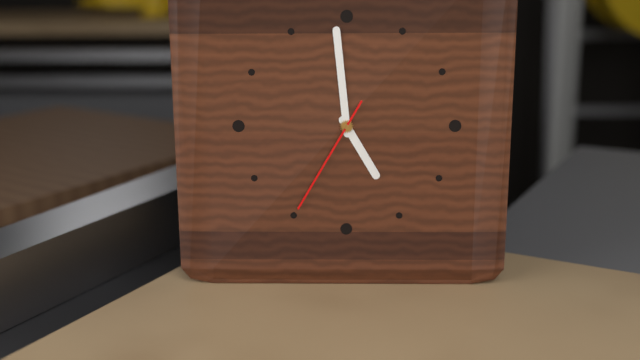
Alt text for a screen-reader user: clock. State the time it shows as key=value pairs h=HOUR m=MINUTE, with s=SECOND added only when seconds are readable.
h=4 m=59 s=35
